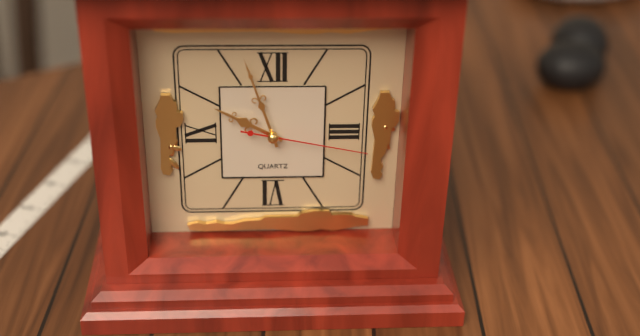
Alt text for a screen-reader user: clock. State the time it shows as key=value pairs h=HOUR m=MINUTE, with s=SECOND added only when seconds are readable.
h=9 m=57 s=17
